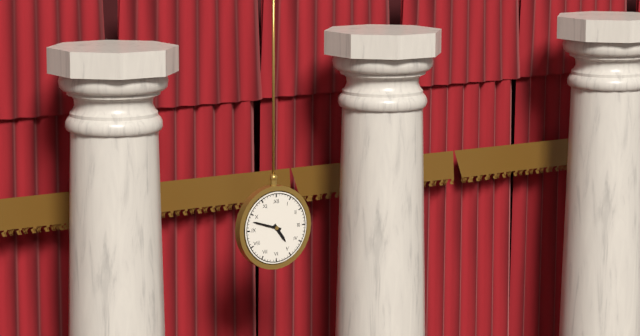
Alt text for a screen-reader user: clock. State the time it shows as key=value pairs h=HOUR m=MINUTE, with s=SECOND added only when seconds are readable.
h=4 m=48
